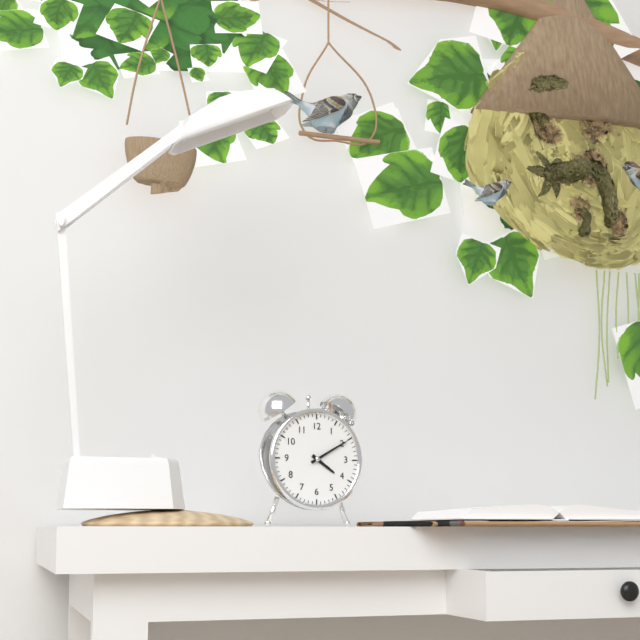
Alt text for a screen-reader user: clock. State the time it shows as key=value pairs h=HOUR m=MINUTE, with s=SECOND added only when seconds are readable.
h=4 m=10
